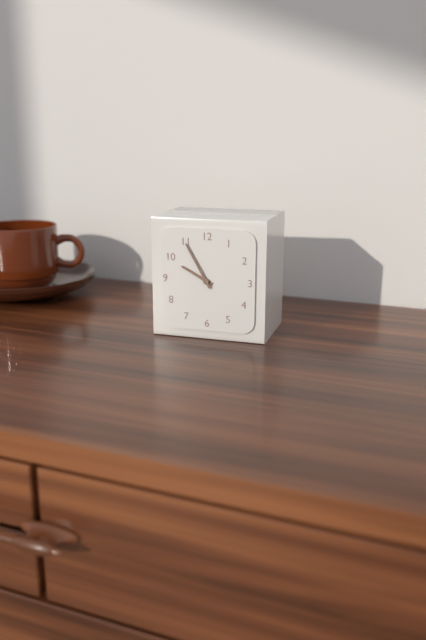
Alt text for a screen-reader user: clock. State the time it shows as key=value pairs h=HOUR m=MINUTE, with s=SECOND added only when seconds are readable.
h=9 m=55
